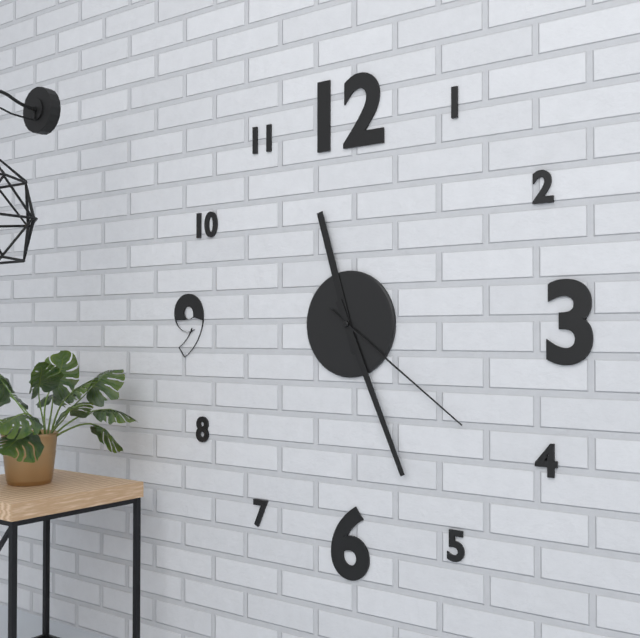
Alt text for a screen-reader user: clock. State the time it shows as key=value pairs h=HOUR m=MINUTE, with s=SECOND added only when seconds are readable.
h=11 m=26 s=21
